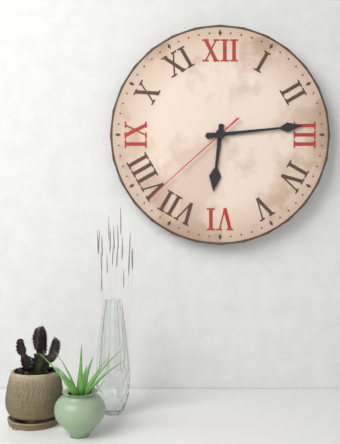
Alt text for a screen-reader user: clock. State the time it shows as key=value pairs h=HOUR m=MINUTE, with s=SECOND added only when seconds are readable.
h=6 m=14 s=38
